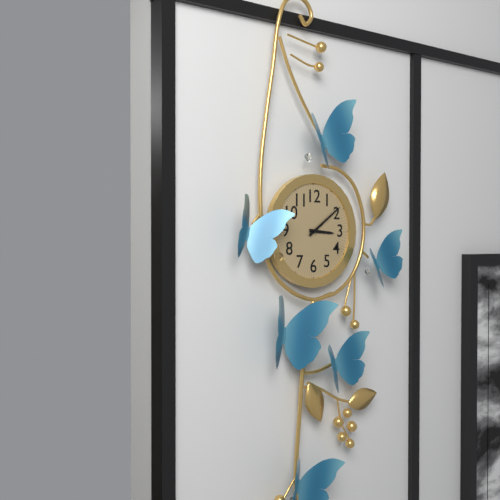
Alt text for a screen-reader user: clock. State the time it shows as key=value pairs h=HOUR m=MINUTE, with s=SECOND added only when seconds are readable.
h=3 m=9
